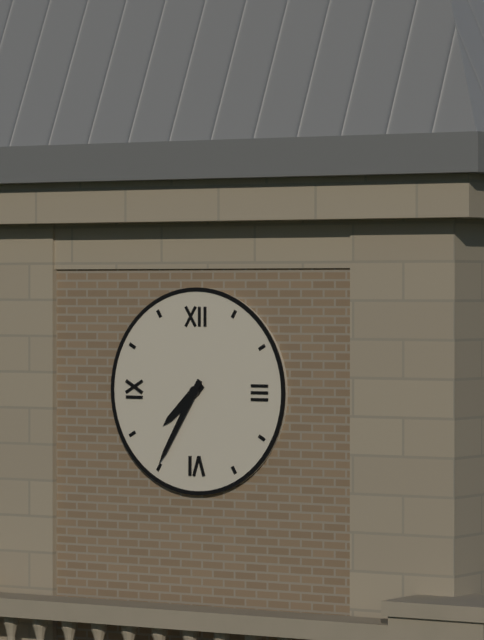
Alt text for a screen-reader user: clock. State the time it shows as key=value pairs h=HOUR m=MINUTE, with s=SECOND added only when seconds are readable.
h=7 m=35
